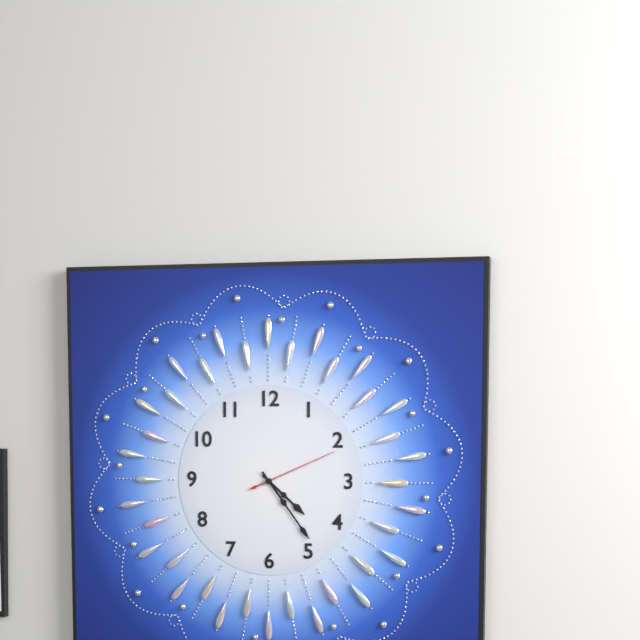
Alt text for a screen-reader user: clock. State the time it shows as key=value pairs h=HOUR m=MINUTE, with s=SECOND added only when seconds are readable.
h=4 m=24 s=11
